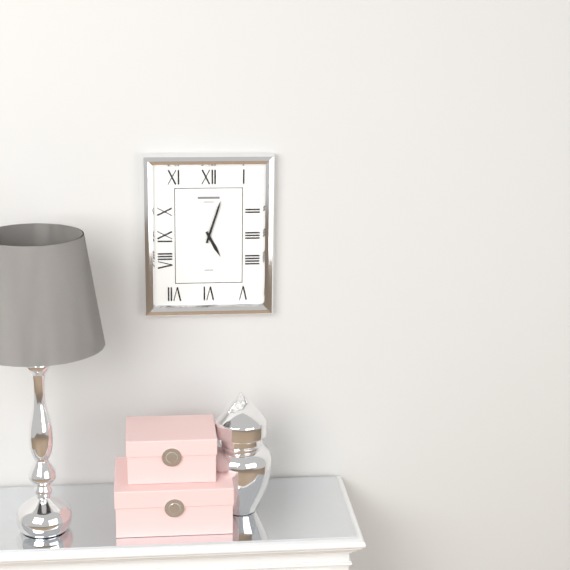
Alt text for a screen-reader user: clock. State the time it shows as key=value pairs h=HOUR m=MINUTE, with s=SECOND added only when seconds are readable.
h=5 m=3
